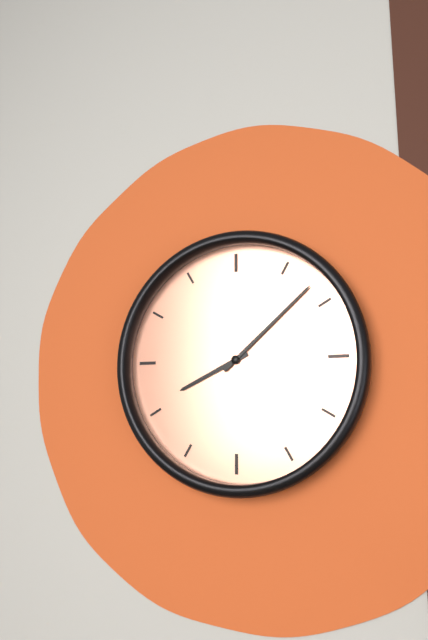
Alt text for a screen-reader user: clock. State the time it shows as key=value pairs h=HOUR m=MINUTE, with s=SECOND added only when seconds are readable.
h=8 m=8
